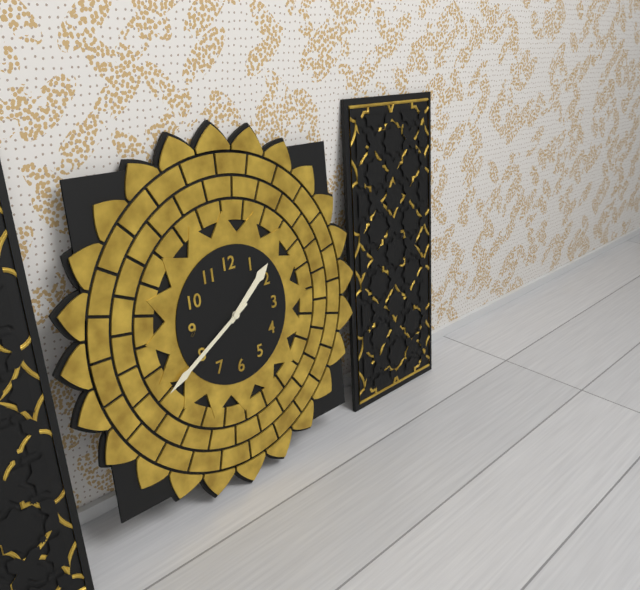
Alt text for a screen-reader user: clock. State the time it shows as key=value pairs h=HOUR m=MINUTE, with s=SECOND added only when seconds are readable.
h=1 m=40
